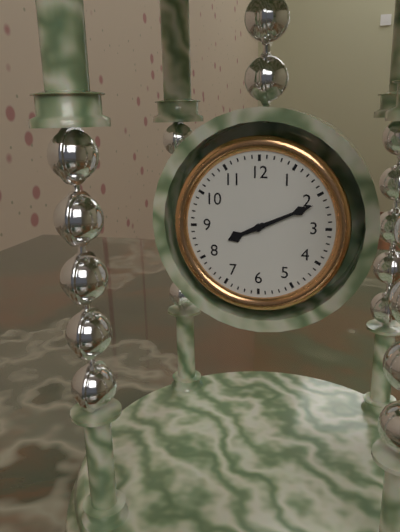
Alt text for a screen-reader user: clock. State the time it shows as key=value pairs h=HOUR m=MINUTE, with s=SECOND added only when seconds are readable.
h=8 m=11
